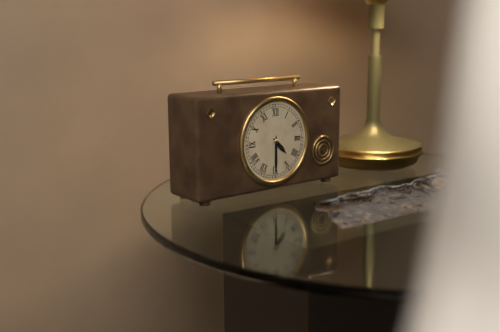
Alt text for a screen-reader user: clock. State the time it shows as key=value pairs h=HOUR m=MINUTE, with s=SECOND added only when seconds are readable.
h=4 m=30
